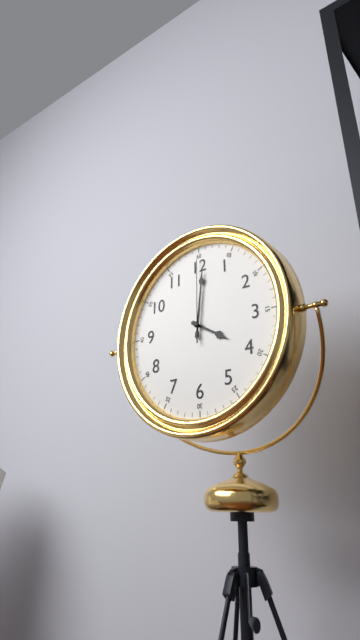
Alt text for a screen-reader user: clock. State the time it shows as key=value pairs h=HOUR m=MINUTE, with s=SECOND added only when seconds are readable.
h=4 m=1 s=0
